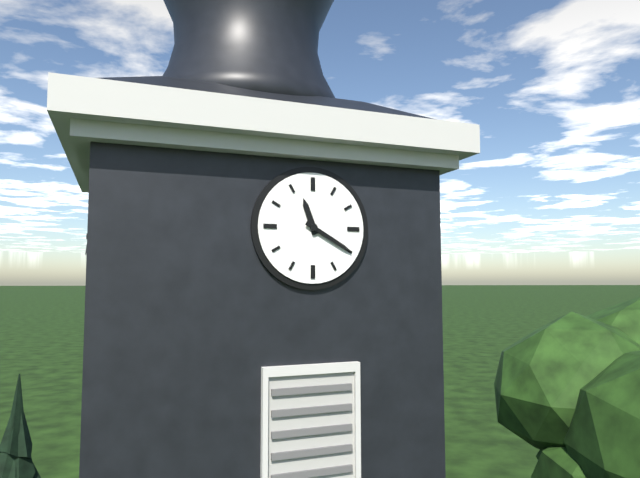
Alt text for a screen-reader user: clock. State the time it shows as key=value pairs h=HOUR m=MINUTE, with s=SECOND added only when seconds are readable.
h=11 m=20
